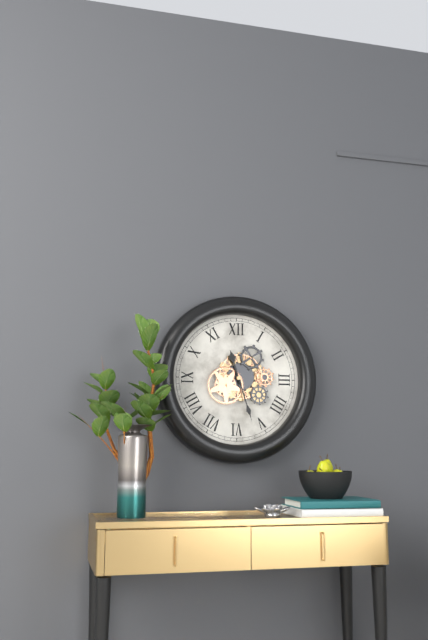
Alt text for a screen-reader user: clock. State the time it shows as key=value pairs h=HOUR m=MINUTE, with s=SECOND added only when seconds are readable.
h=11 m=27
